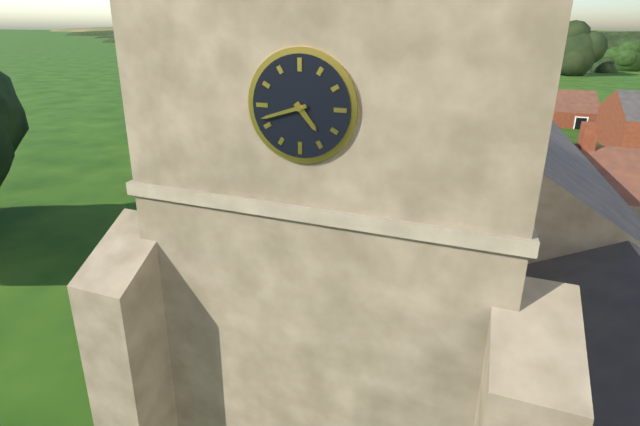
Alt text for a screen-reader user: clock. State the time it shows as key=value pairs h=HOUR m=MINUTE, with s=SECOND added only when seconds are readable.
h=4 m=42
